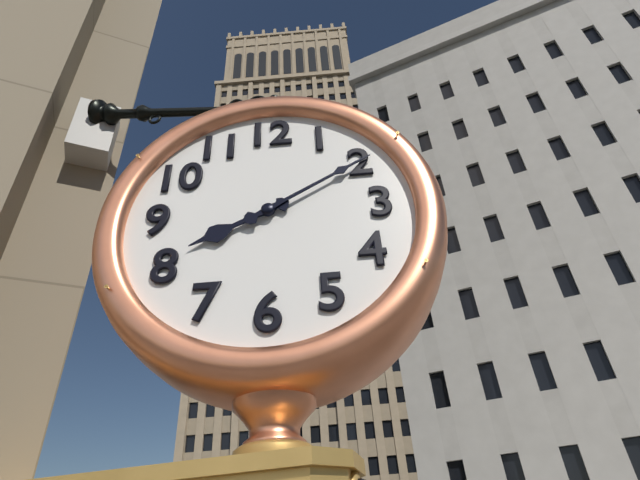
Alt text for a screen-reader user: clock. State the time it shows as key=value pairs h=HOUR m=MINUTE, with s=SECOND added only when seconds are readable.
h=8 m=10
